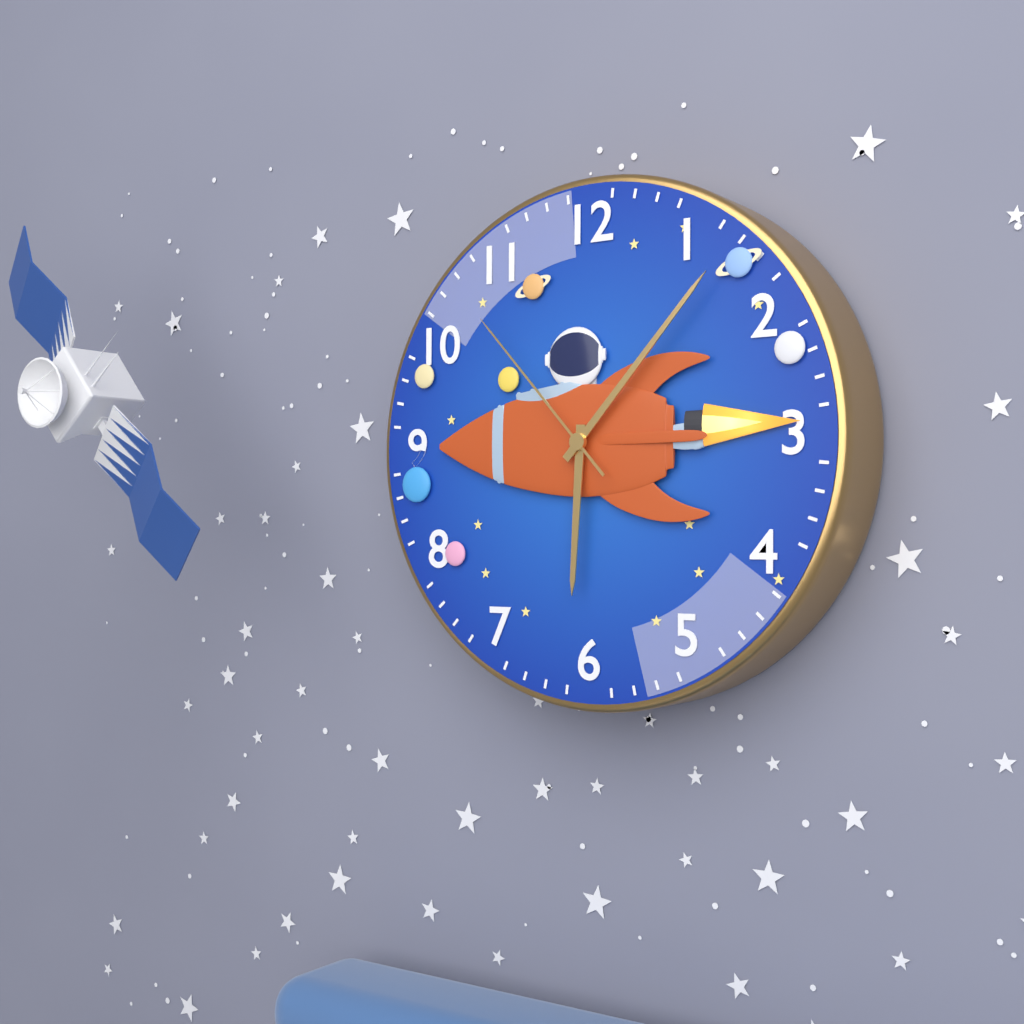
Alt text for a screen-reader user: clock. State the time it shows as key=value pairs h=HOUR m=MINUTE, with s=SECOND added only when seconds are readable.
h=6 m=7 s=53
